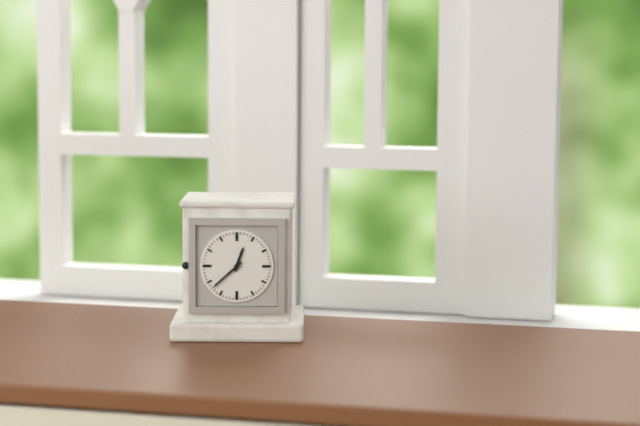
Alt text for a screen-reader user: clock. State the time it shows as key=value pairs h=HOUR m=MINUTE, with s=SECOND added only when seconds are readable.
h=12 m=38
